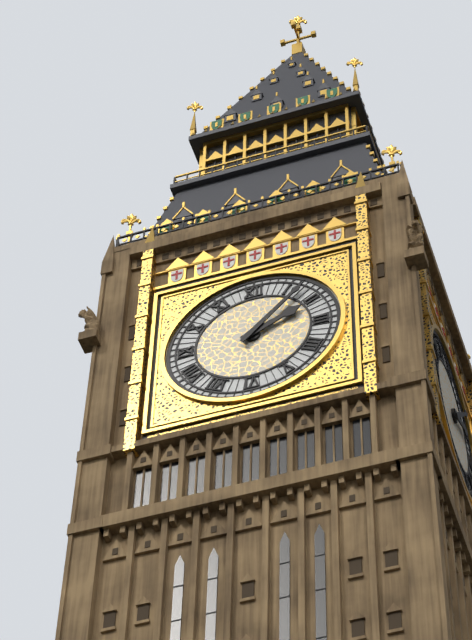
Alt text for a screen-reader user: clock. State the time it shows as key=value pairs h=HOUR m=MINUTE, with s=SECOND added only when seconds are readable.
h=2 m=7
